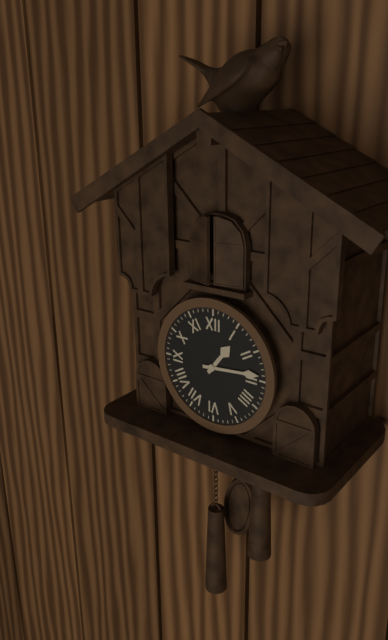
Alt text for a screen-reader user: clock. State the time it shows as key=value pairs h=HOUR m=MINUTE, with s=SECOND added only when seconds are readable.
h=1 m=14
